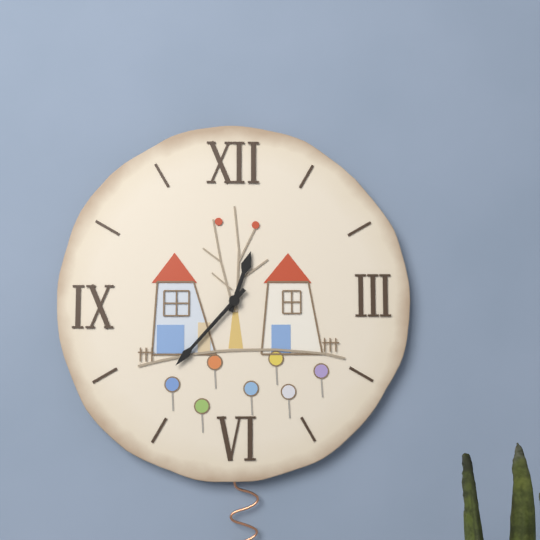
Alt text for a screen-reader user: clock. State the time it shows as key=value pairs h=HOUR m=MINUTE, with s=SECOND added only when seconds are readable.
h=12 m=37
